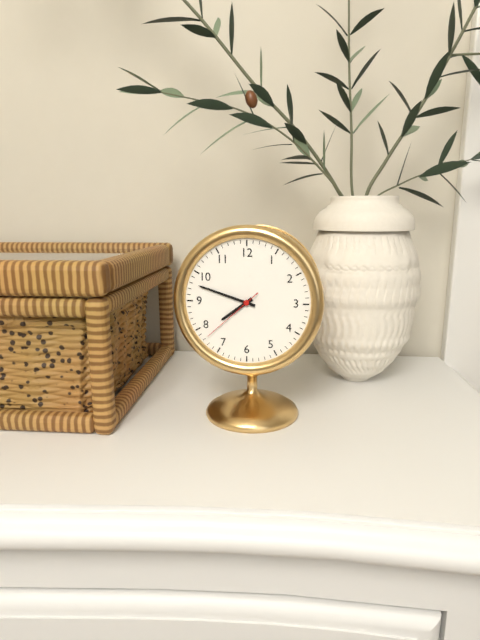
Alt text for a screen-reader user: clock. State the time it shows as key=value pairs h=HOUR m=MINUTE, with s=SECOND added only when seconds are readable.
h=7 m=48 s=38
